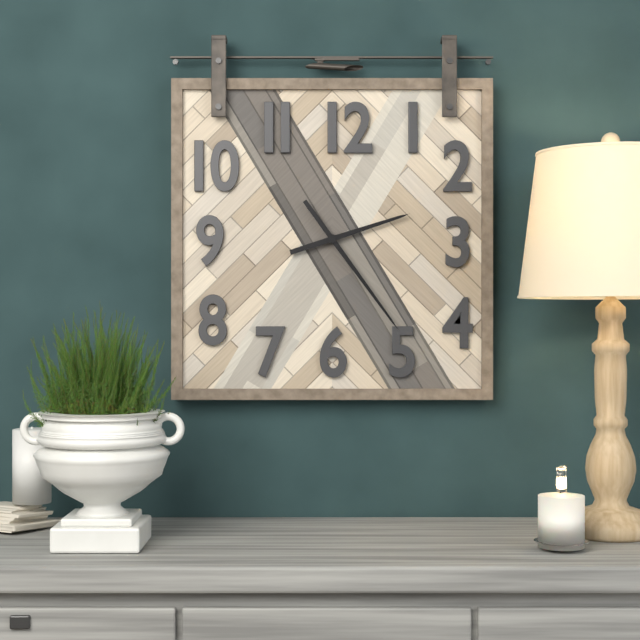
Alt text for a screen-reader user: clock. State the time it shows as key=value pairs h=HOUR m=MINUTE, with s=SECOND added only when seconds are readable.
h=2 m=24
